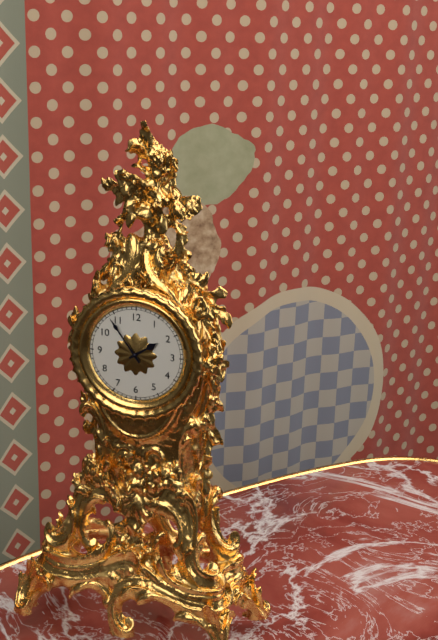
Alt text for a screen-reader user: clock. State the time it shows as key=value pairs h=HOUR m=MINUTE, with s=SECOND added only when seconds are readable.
h=1 m=54
